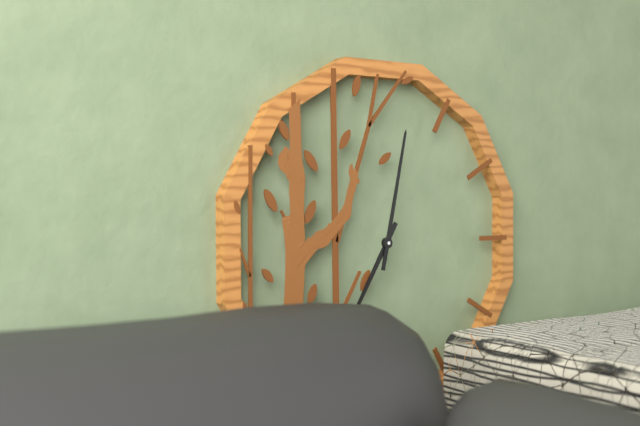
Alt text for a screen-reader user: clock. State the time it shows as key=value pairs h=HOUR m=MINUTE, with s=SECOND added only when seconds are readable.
h=7 m=2
